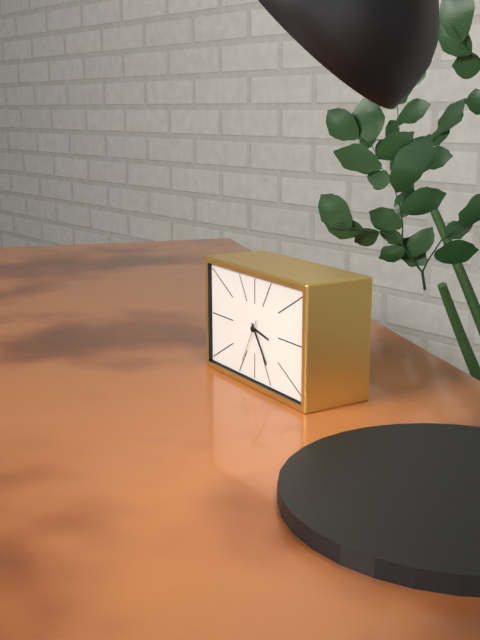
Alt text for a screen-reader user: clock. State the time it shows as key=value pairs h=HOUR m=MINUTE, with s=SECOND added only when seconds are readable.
h=3 m=24
